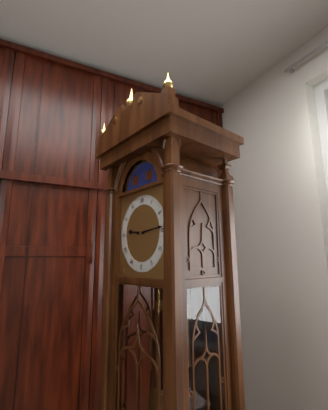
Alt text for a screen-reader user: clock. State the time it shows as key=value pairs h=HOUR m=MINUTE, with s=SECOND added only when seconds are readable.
h=9 m=14
